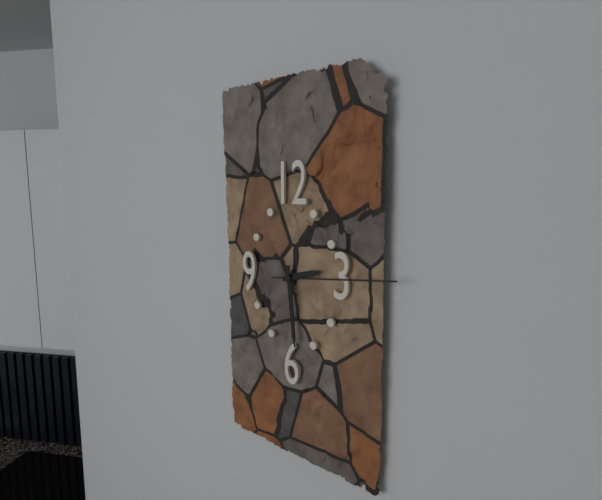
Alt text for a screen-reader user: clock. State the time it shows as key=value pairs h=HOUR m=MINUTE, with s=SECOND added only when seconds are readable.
h=2 m=29 s=14
